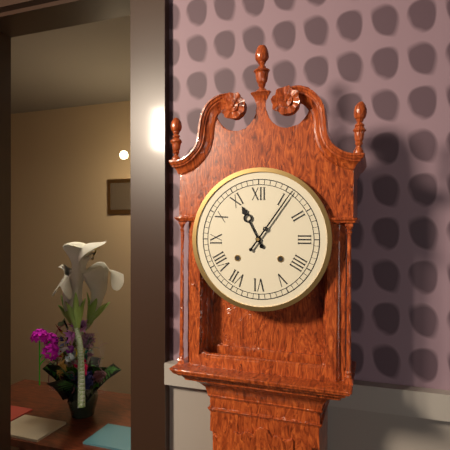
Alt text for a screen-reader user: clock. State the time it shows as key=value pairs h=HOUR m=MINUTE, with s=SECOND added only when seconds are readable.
h=11 m=6
